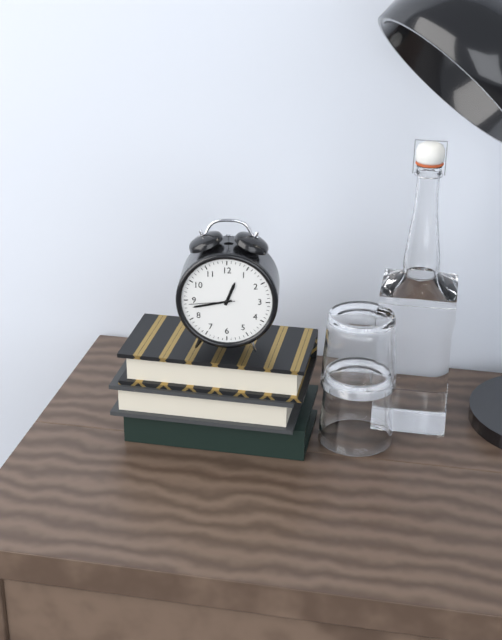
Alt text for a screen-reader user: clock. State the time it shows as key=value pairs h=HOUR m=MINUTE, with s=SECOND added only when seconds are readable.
h=12 m=43
